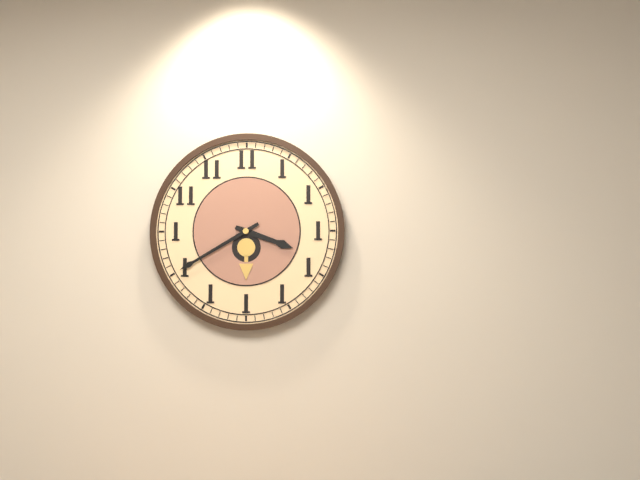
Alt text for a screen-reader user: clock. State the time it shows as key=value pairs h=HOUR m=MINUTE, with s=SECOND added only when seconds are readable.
h=3 m=40
